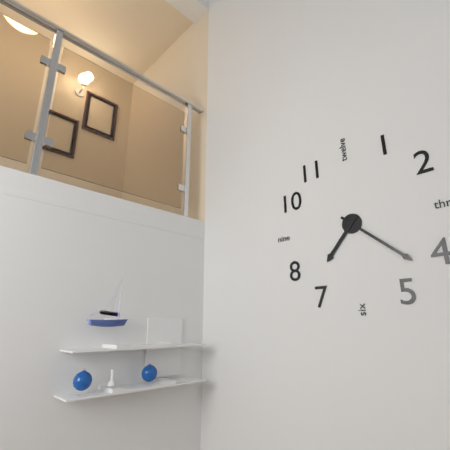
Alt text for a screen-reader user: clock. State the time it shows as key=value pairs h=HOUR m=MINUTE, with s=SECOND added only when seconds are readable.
h=7 m=22
